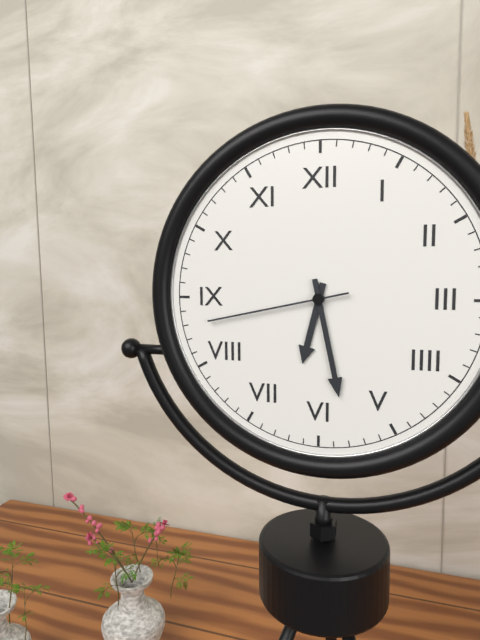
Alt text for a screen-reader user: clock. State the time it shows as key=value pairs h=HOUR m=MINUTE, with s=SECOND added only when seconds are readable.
h=6 m=28 s=43
